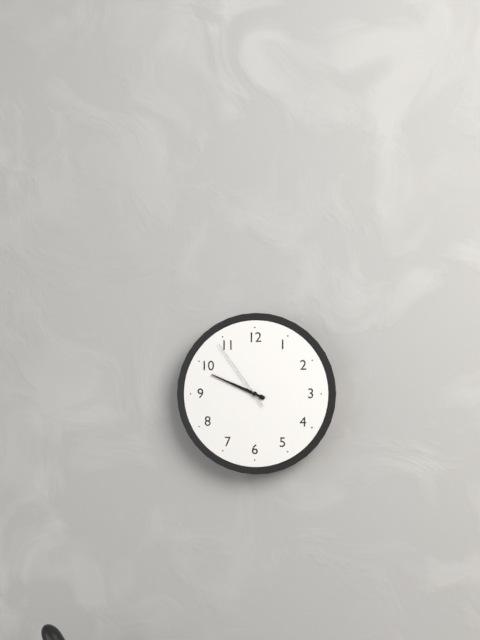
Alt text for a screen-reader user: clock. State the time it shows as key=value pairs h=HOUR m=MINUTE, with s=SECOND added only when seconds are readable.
h=9 m=49 s=54
